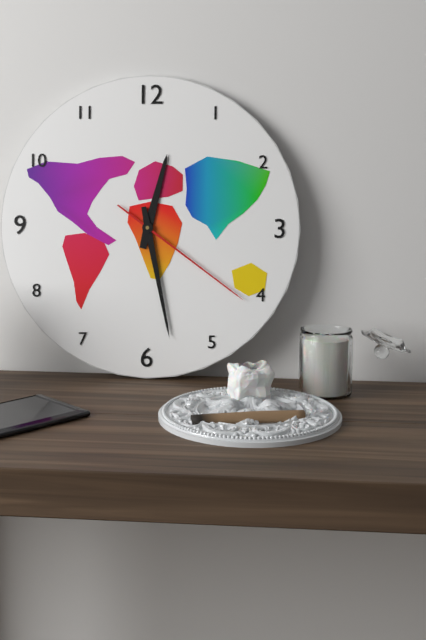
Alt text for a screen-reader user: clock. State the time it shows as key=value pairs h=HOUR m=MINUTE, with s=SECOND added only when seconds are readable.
h=12 m=28 s=21
